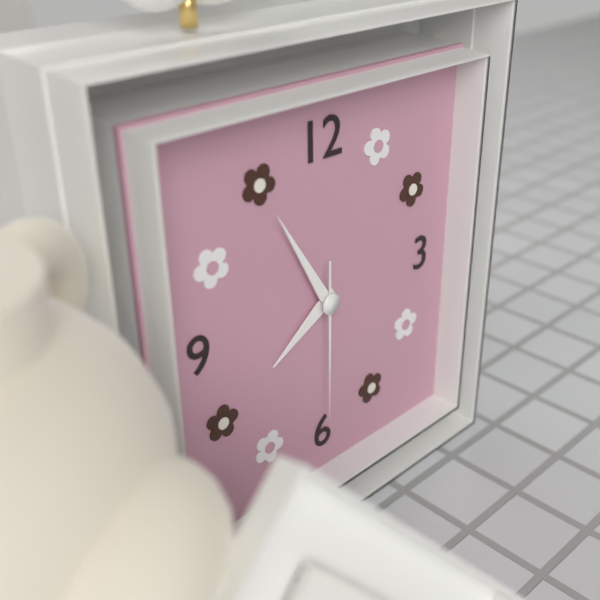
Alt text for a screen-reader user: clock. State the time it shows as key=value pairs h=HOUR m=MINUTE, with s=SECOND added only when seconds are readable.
h=7 m=55 s=30
